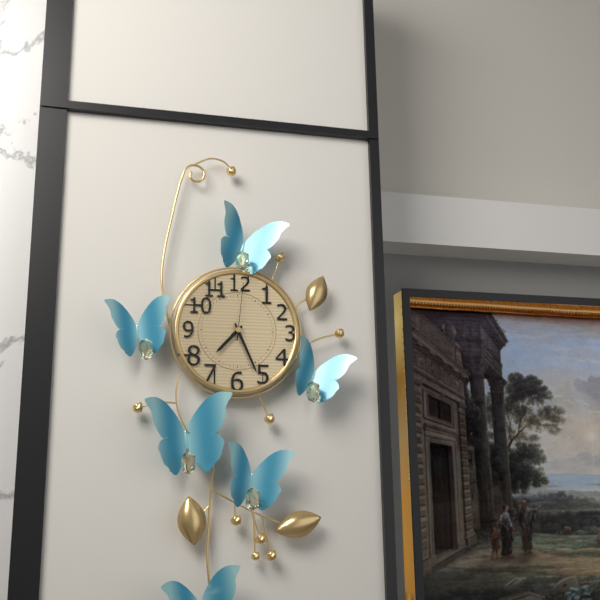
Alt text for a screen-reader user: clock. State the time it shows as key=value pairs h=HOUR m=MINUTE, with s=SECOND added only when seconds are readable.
h=7 m=26 s=1
